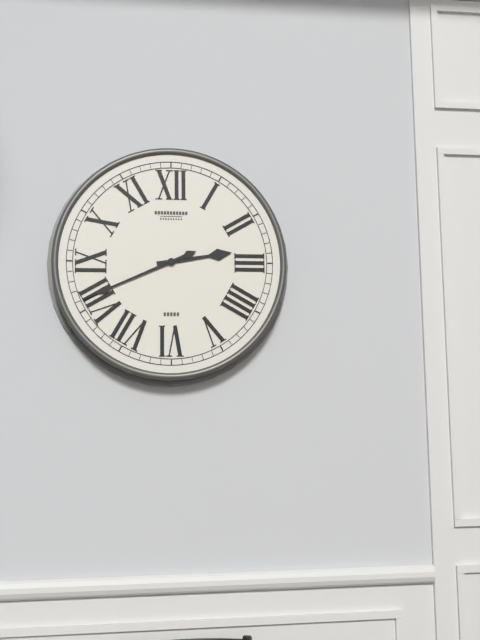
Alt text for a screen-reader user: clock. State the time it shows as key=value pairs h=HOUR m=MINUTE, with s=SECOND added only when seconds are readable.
h=2 m=41
